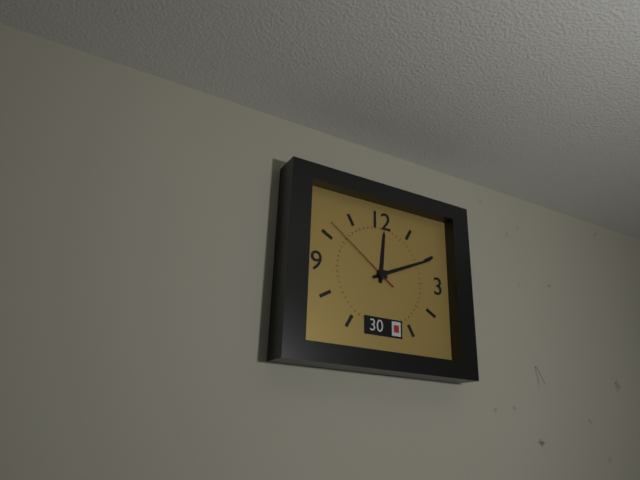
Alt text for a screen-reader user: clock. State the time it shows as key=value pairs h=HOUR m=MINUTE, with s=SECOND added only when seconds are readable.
h=12 m=11 s=51
